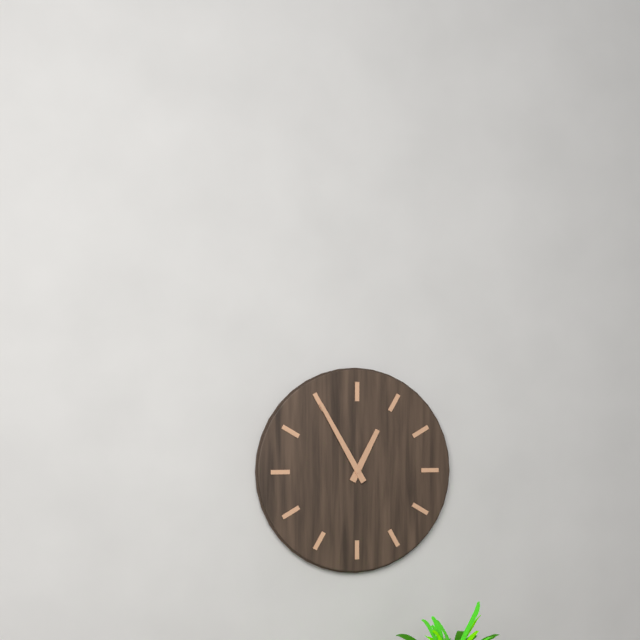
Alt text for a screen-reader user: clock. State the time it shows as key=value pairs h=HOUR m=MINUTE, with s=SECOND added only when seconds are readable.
h=12 m=55
